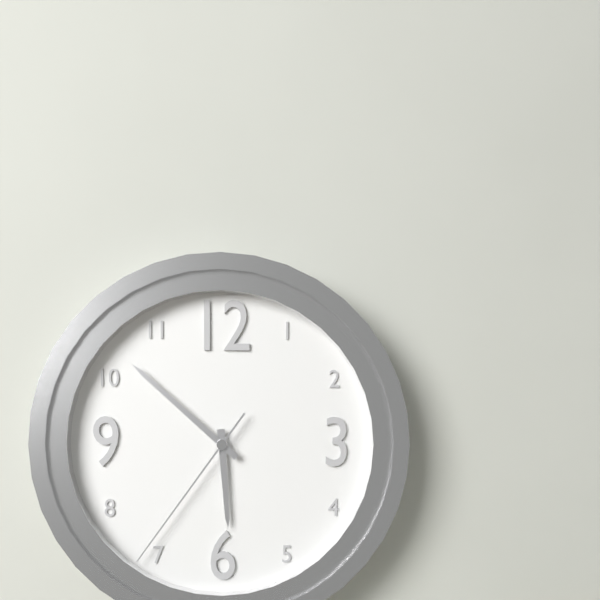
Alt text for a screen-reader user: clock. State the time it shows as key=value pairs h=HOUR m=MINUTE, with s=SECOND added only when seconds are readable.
h=5 m=52 s=36
